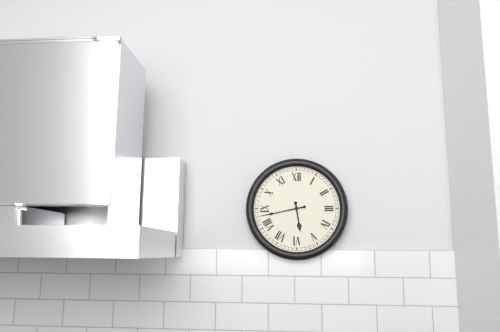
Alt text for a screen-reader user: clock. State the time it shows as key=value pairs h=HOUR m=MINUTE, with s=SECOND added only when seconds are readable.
h=5 m=43
